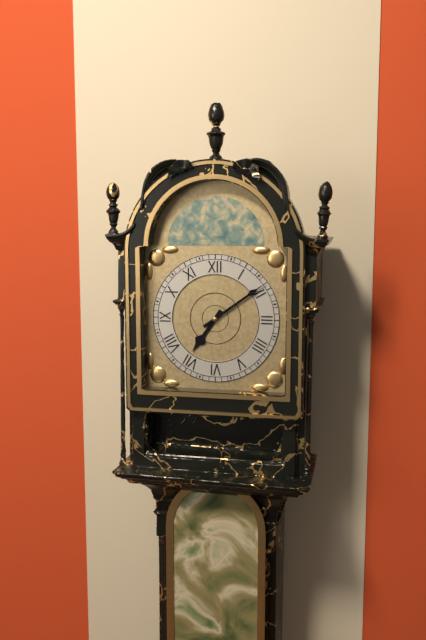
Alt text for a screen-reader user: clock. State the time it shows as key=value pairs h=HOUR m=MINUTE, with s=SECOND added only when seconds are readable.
h=7 m=9
